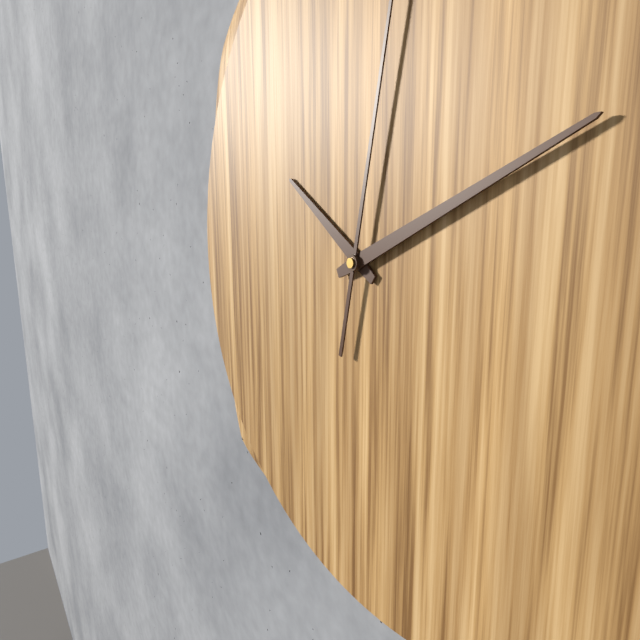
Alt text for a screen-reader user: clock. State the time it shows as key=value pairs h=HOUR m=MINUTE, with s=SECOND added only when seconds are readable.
h=10 m=11
